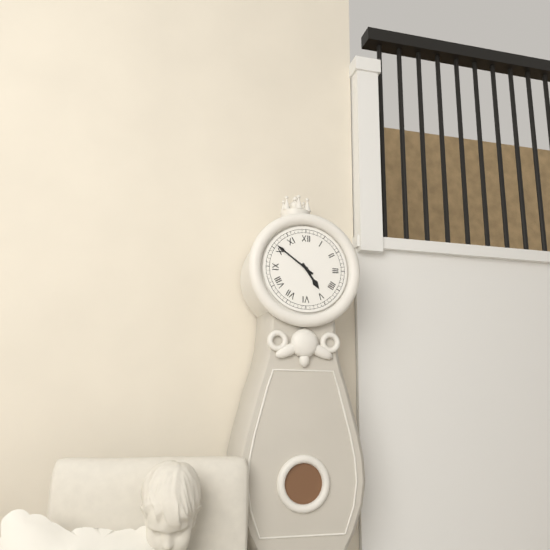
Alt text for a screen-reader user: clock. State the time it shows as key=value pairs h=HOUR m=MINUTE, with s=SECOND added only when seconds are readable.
h=4 m=51
